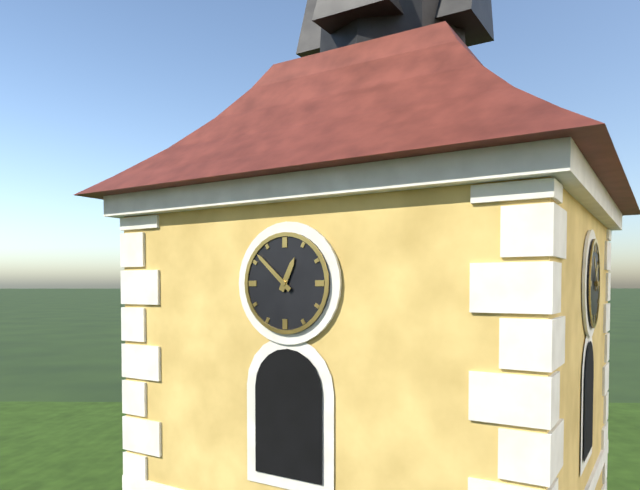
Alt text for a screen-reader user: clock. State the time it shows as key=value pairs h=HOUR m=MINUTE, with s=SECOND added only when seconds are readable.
h=12 m=52
